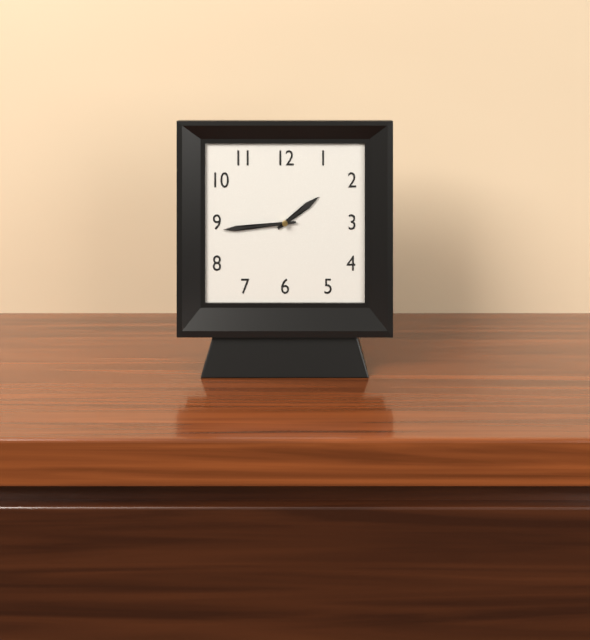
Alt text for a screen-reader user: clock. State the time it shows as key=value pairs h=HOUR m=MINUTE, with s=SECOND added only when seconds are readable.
h=1 m=44
